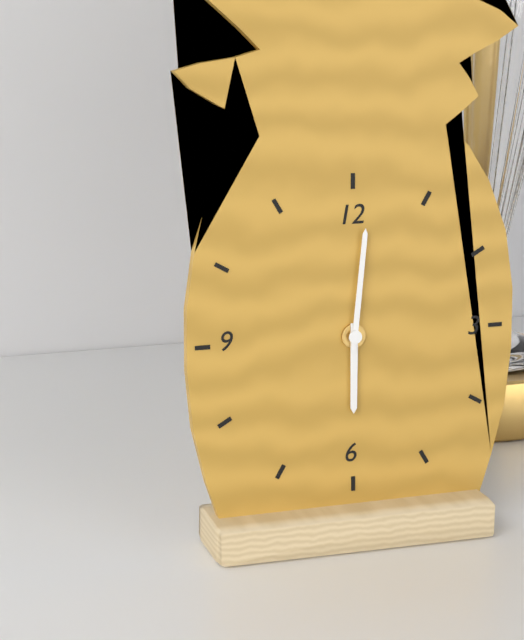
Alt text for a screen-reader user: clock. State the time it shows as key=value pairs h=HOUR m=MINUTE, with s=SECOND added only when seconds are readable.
h=6 m=1
